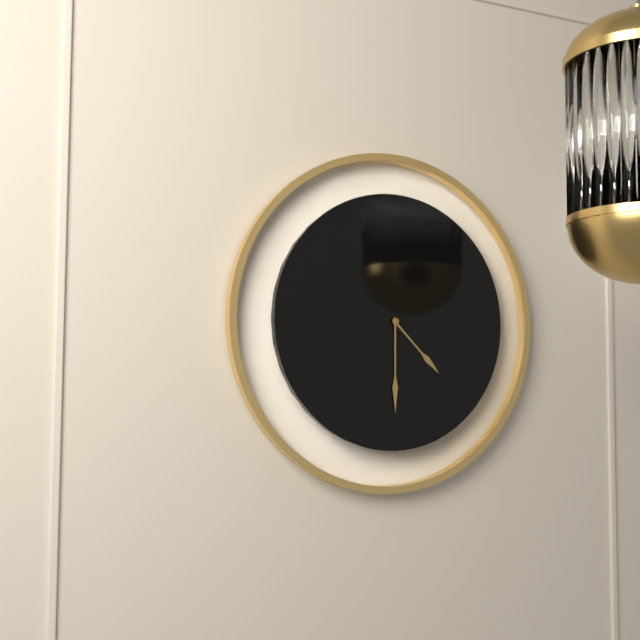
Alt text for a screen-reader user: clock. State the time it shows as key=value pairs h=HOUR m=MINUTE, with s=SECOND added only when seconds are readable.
h=4 m=30
